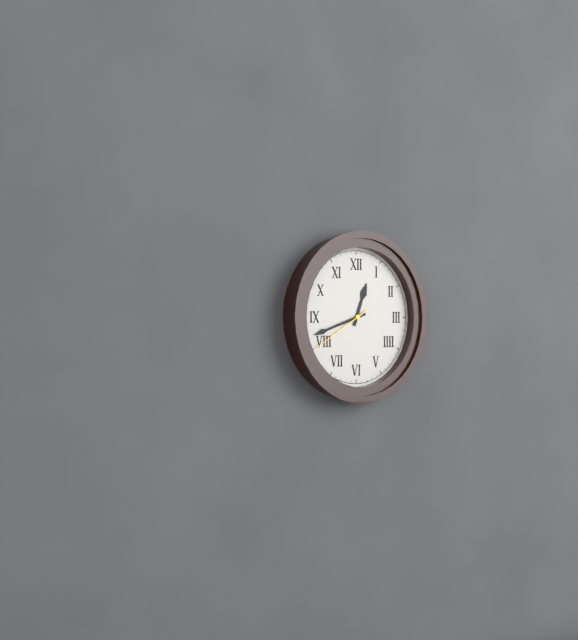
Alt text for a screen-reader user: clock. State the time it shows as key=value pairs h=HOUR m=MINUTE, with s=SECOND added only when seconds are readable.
h=12 m=42 s=40
